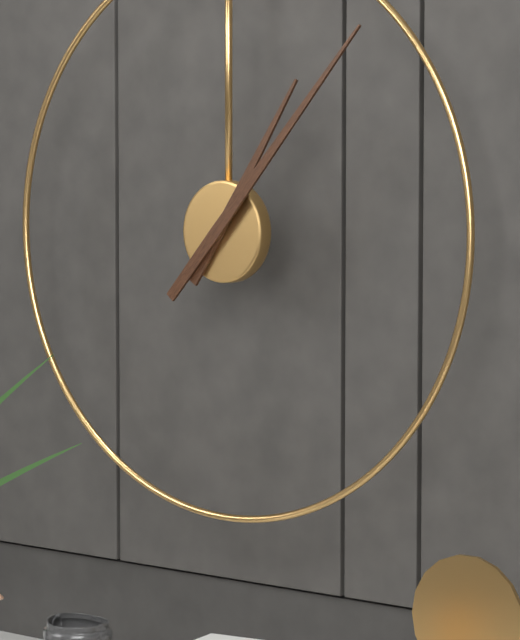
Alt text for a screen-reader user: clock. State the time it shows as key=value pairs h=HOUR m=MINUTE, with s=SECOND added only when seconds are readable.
h=1 m=7
